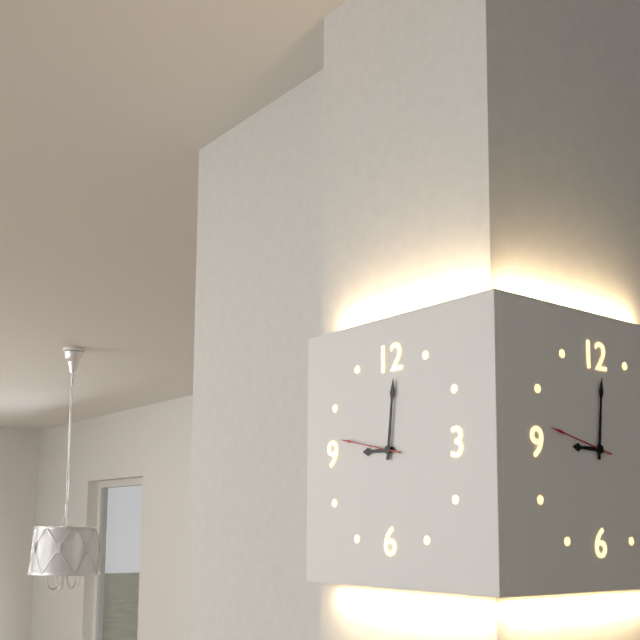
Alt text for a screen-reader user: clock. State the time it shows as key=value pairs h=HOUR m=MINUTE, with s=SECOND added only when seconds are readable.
h=9 m=1 s=47
